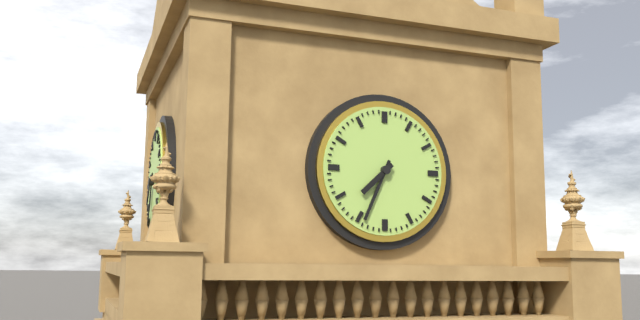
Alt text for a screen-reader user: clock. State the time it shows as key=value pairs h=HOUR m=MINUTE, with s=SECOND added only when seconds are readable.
h=7 m=34
